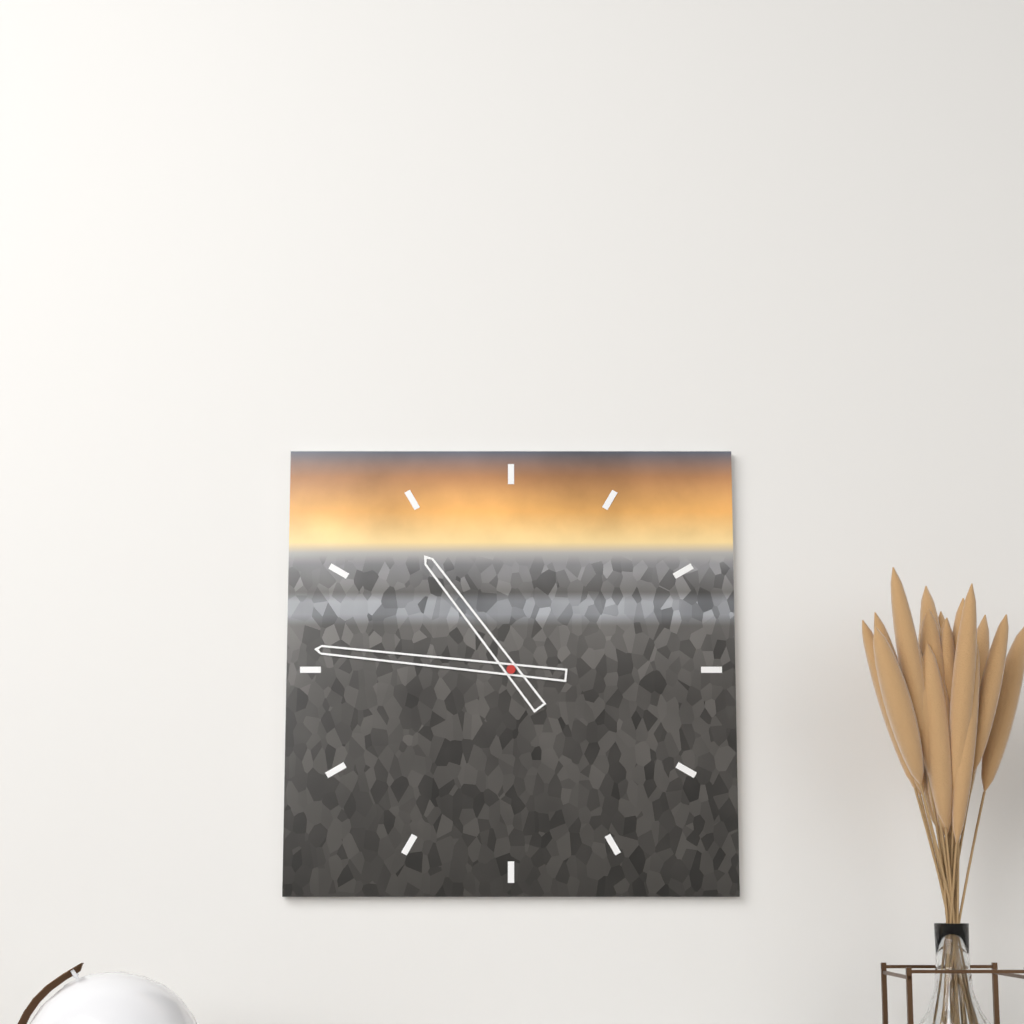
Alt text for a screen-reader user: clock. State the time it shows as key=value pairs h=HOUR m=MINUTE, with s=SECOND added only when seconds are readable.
h=10 m=46
